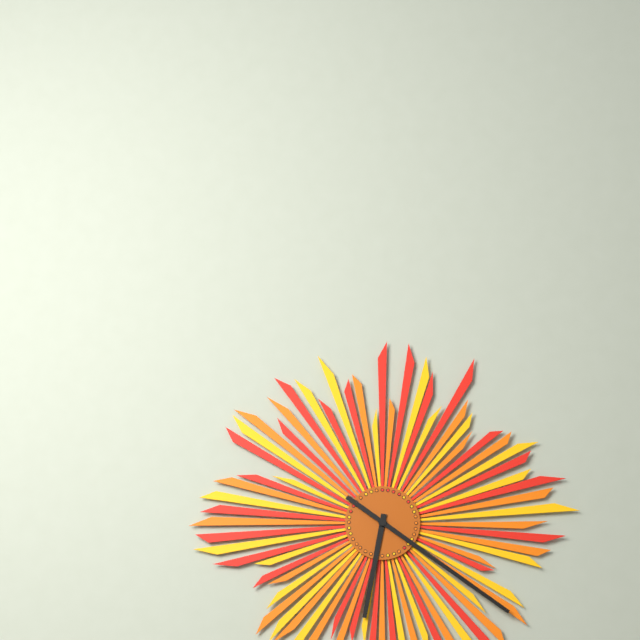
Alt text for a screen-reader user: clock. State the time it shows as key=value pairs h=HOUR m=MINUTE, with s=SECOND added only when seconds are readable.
h=6 m=21
